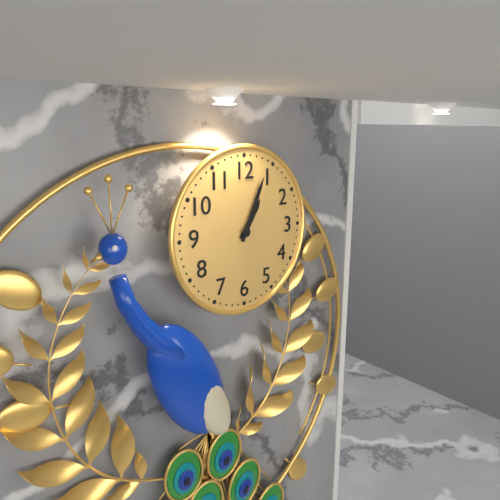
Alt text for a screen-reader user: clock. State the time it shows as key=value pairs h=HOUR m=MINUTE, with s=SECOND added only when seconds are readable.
h=1 m=4
